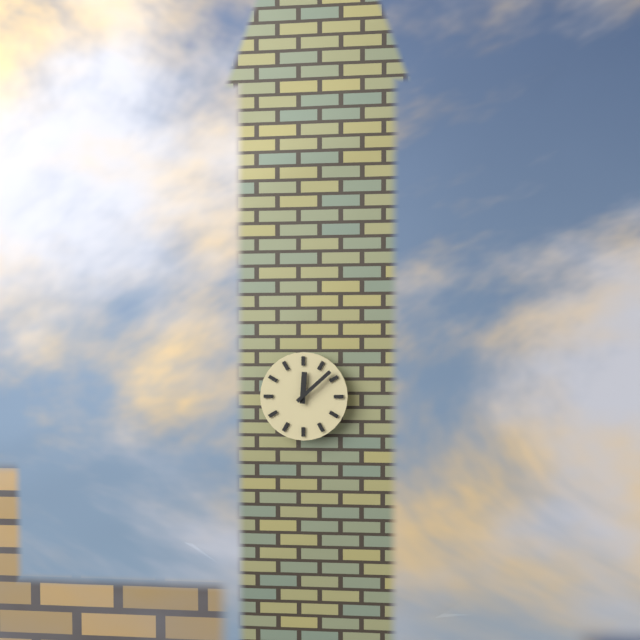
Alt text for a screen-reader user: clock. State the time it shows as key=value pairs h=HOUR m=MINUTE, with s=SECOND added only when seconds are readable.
h=12 m=8
